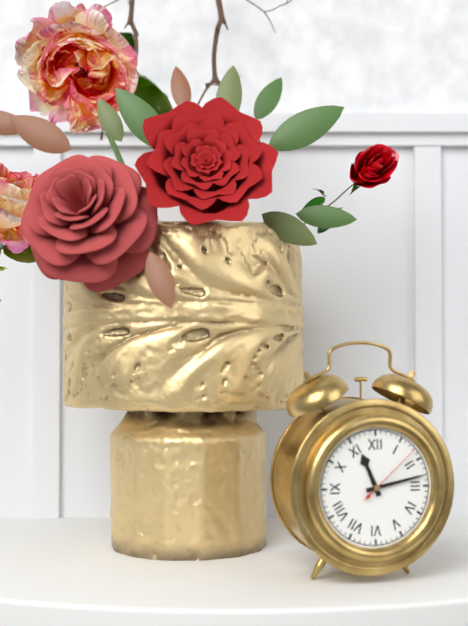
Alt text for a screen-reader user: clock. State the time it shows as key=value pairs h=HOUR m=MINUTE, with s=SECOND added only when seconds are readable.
h=11 m=13 s=8
